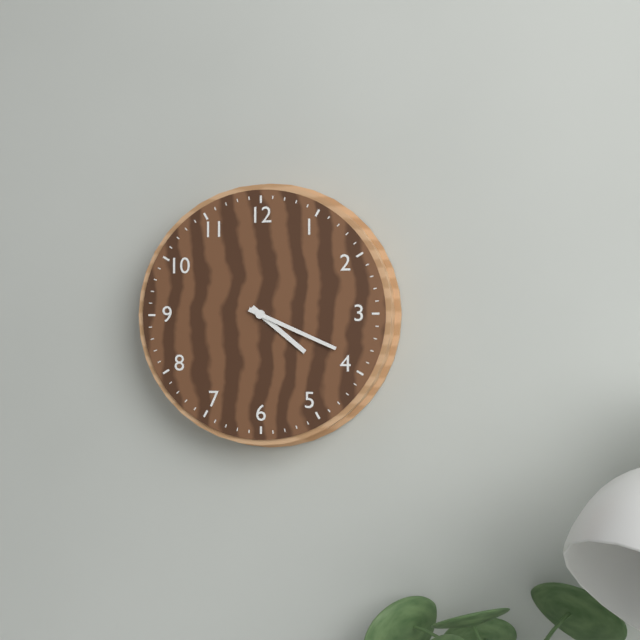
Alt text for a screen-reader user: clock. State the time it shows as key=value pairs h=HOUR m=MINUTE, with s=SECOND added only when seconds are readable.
h=4 m=19
